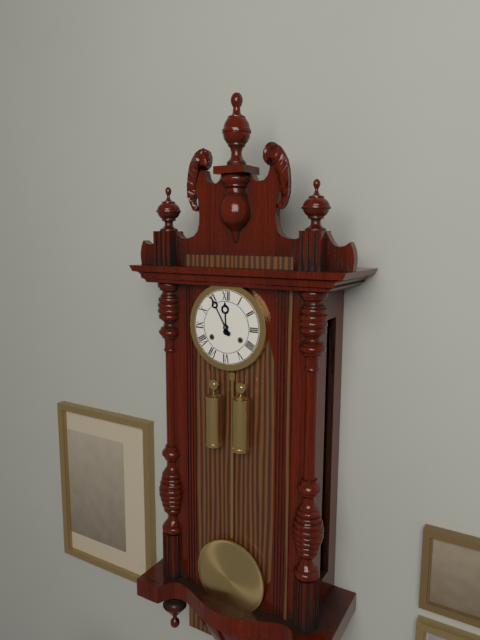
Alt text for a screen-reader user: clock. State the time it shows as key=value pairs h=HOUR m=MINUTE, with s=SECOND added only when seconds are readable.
h=11 m=55
